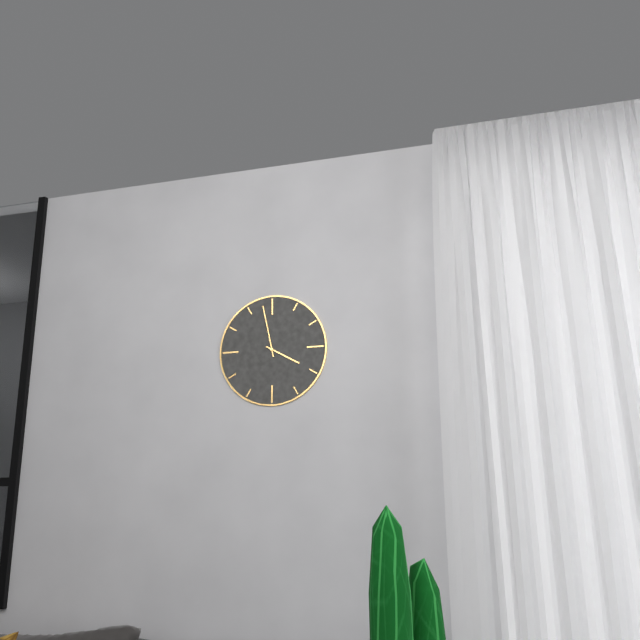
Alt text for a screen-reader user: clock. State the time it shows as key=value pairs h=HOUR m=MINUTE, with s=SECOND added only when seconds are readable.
h=3 m=58
